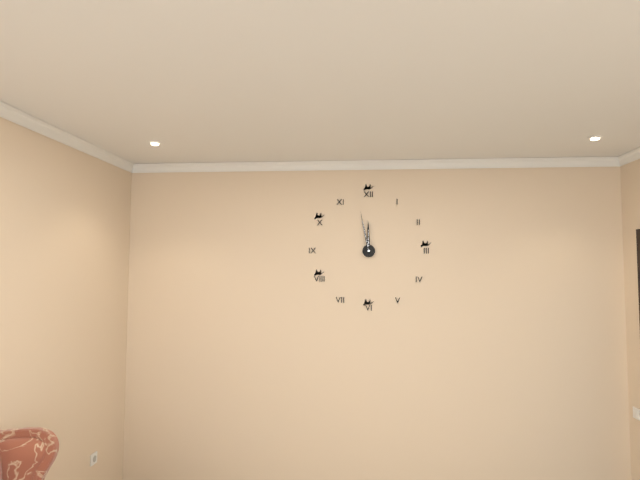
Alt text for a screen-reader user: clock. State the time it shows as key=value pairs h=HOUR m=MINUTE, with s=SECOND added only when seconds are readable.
h=11 m=58
